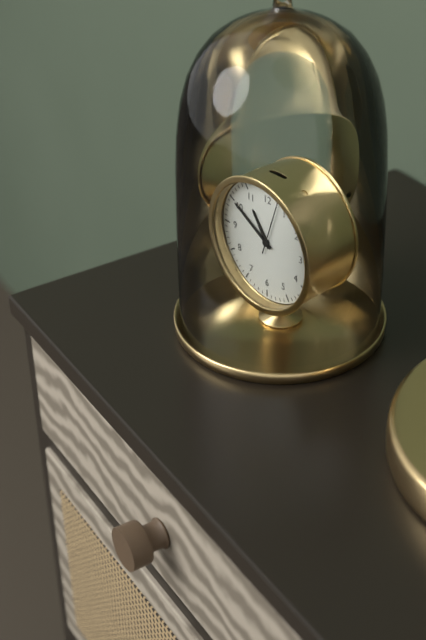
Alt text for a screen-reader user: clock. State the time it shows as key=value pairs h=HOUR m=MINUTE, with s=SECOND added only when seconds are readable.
h=10 m=50 s=3
